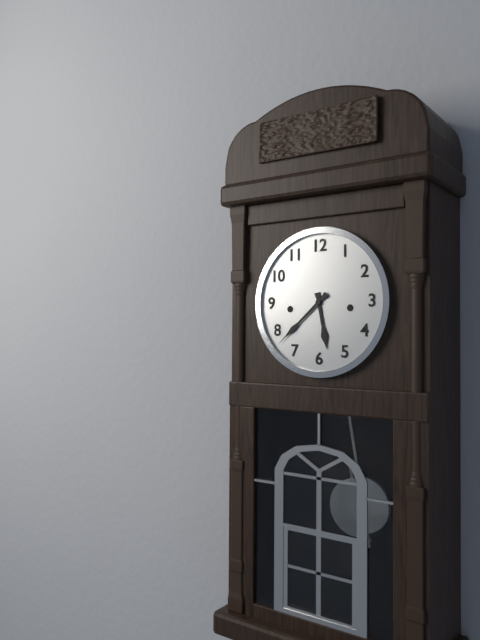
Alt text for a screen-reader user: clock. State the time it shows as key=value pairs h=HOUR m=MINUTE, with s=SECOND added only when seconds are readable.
h=5 m=38
